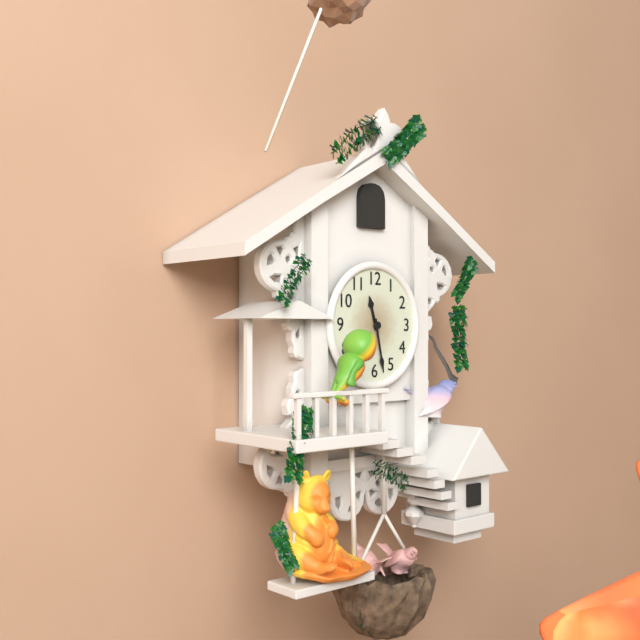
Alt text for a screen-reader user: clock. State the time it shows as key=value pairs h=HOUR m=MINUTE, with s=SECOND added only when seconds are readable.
h=11 m=28
